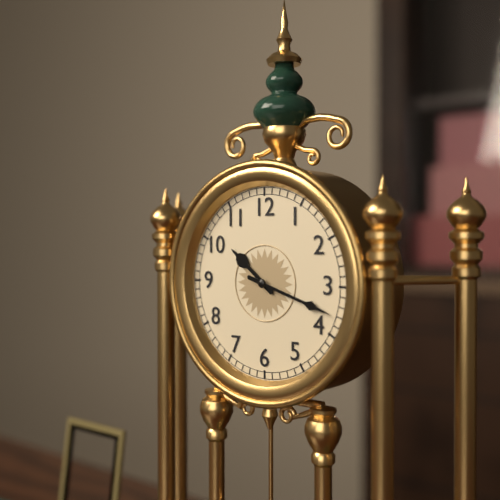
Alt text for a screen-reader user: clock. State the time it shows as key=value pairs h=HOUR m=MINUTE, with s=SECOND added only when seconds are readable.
h=10 m=18
